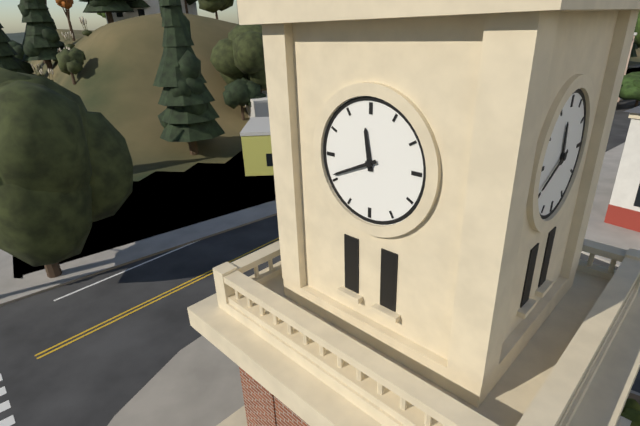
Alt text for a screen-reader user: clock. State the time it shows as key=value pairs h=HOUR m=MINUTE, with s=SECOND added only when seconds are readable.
h=11 m=41
